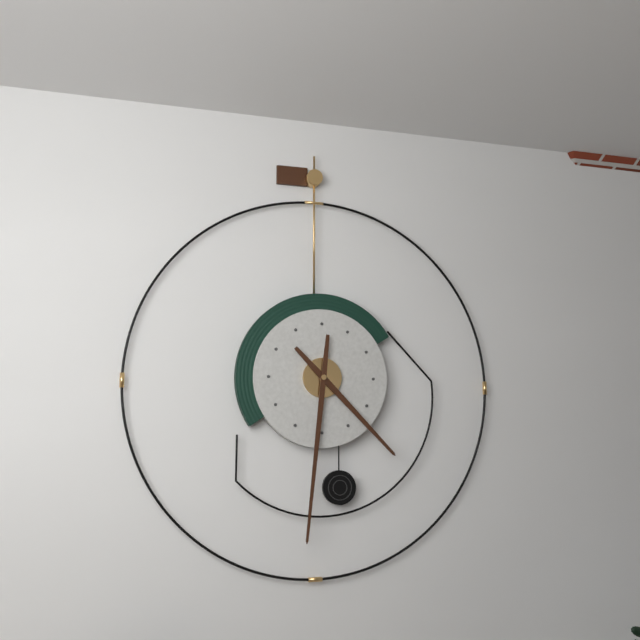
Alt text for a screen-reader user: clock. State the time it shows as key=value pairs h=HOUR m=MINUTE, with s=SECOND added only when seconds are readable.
h=4 m=31
